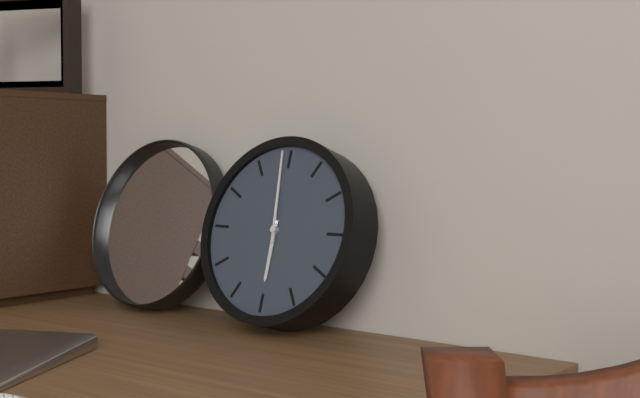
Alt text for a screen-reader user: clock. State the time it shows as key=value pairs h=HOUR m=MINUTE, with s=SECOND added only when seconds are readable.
h=5 m=59
